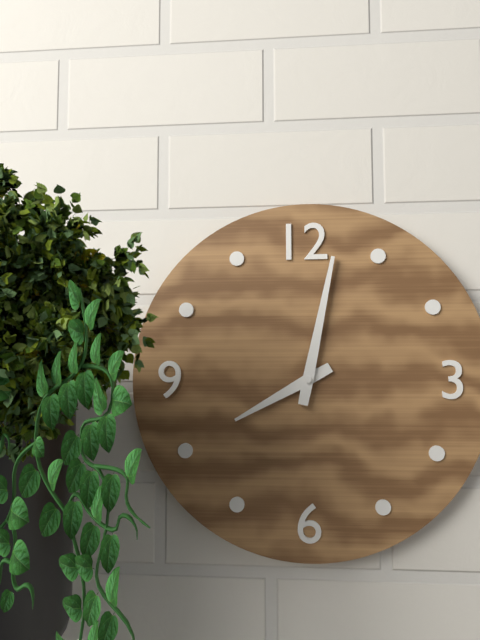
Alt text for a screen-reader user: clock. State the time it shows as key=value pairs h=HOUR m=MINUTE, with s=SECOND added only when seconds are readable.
h=8 m=2
